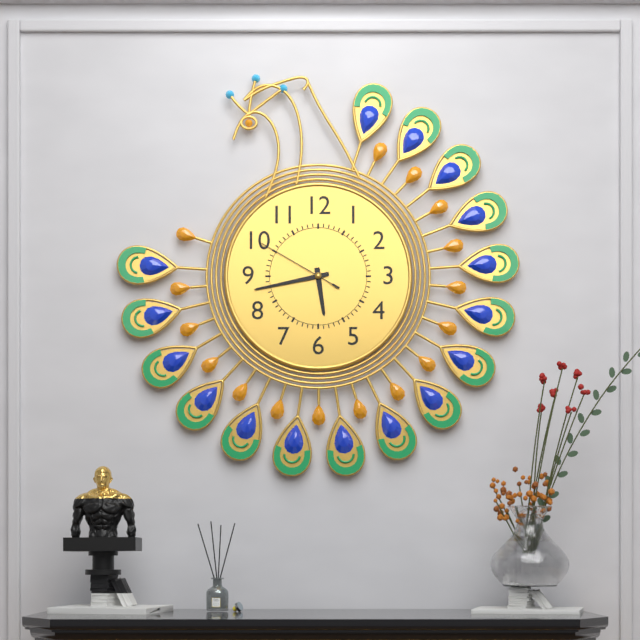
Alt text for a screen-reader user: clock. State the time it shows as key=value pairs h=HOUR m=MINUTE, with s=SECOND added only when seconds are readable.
h=5 m=43 s=50
